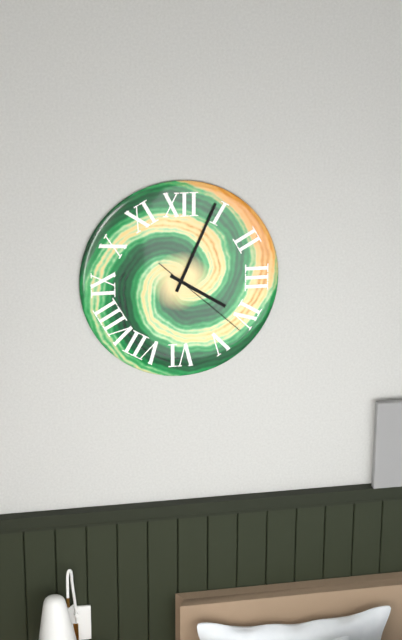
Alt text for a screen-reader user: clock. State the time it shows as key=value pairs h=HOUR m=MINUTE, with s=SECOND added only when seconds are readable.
h=4 m=4 s=22
